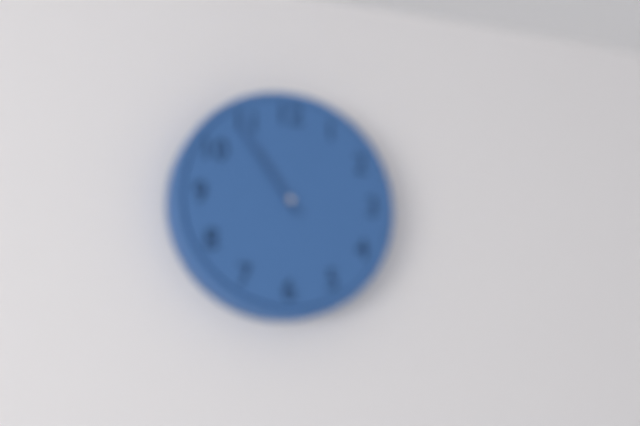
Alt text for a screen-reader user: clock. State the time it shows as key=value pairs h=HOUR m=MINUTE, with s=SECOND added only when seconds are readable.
h=10 m=54
